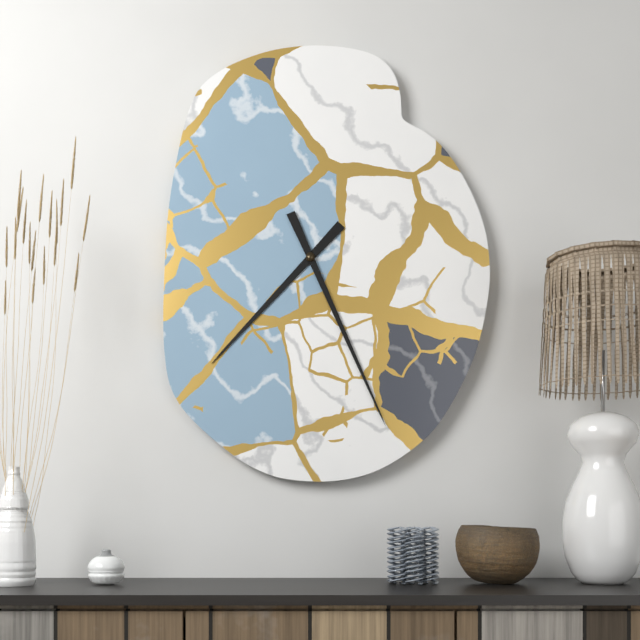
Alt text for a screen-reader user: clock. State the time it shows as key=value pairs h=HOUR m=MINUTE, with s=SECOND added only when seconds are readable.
h=7 m=26
